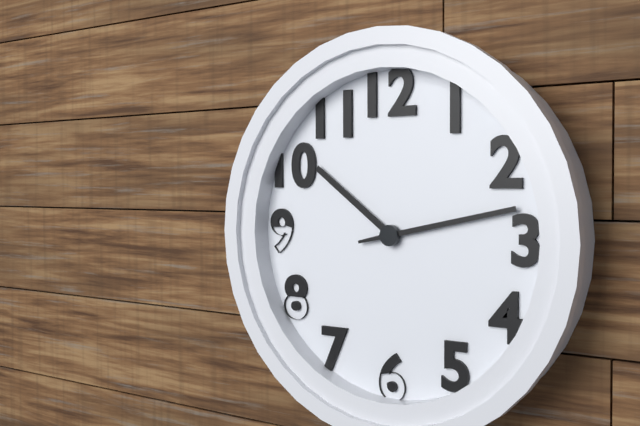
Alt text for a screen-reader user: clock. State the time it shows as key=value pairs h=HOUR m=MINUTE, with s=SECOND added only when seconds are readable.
h=10 m=13
